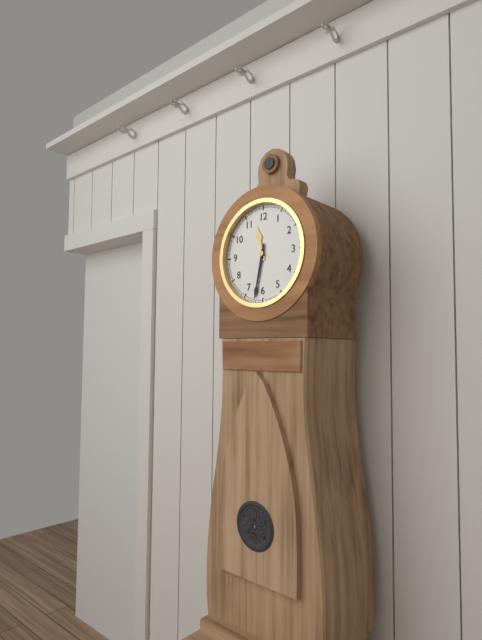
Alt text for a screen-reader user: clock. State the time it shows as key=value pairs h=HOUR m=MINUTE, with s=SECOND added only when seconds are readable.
h=11 m=32
